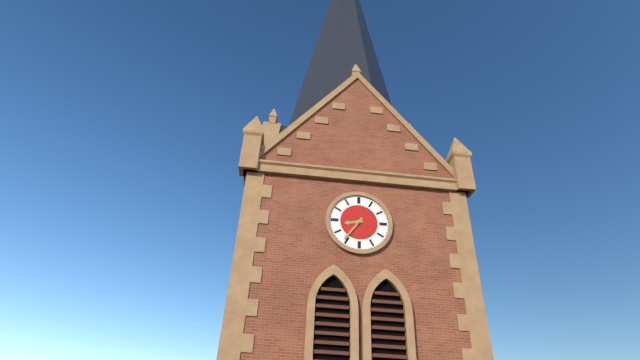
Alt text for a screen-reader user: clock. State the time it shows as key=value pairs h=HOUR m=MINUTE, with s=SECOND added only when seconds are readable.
h=8 m=36
